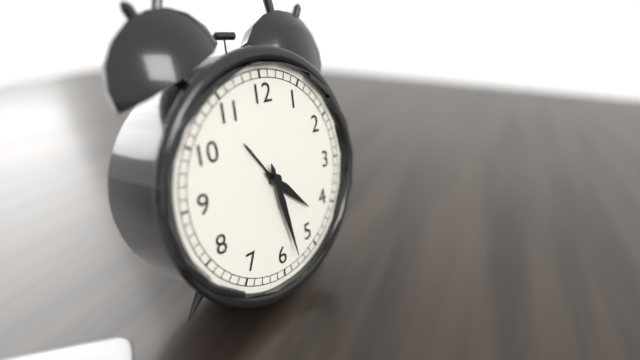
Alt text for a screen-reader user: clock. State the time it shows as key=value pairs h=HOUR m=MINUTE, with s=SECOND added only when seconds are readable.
h=4 m=28
